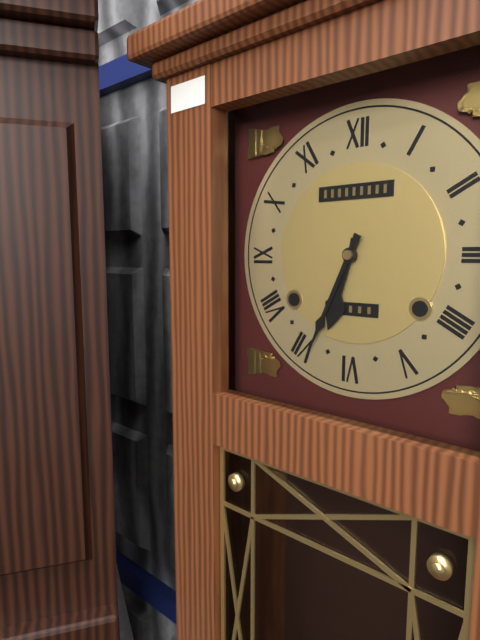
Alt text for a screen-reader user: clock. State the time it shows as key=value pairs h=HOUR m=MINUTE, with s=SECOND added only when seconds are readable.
h=6 m=34
